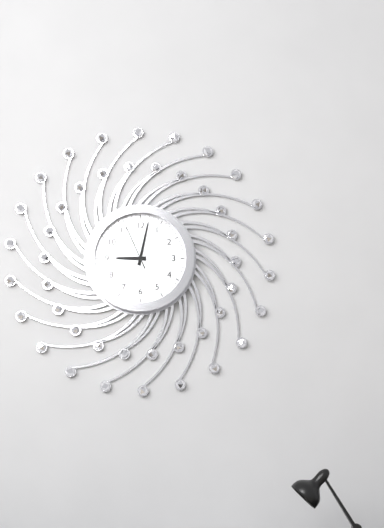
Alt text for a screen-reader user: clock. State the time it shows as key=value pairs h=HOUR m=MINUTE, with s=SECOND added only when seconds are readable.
h=9 m=2 s=56
